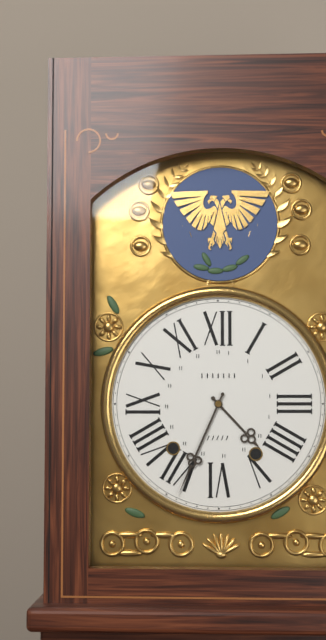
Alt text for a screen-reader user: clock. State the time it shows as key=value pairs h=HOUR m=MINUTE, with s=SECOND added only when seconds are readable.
h=4 m=34
